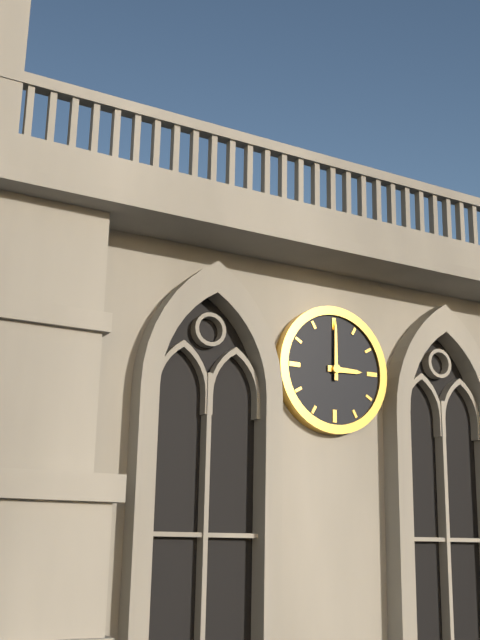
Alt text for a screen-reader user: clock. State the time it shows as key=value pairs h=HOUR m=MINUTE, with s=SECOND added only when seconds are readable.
h=3 m=0
